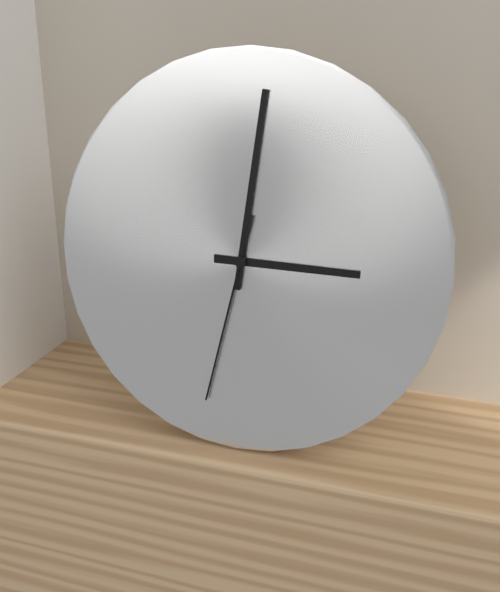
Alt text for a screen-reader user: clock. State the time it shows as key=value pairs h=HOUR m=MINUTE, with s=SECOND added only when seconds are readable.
h=3 m=1 s=32
